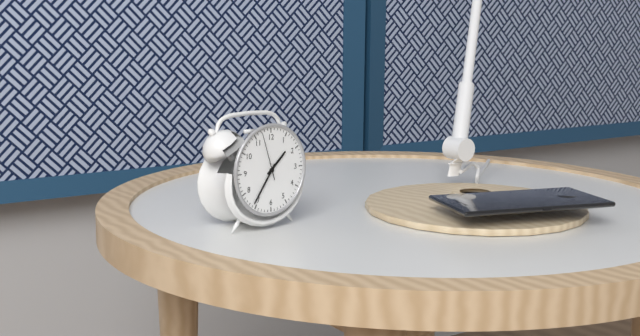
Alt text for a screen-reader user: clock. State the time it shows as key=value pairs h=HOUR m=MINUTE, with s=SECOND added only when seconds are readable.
h=1 m=36
